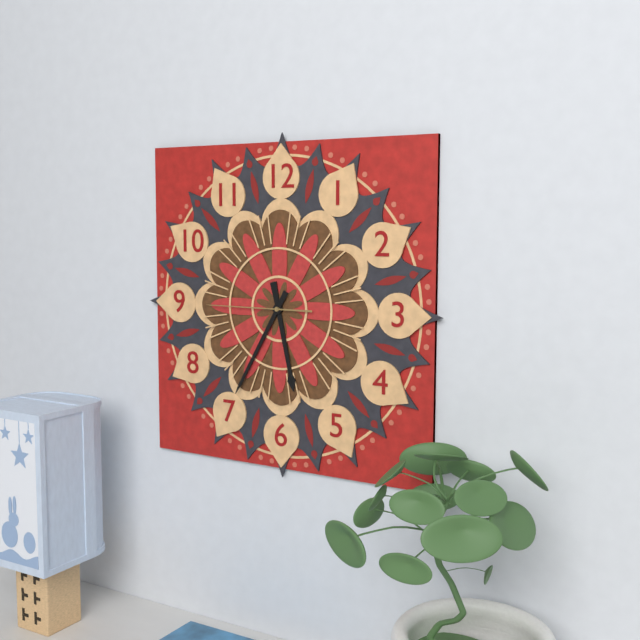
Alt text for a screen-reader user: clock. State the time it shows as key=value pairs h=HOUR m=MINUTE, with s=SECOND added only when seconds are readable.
h=5 m=35 s=45
